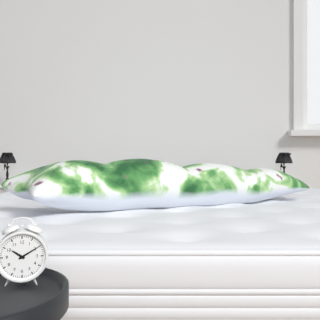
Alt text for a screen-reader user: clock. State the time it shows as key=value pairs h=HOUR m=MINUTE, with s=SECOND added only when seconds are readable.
h=10 m=10
